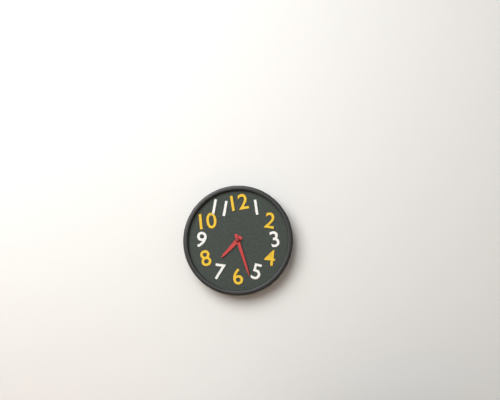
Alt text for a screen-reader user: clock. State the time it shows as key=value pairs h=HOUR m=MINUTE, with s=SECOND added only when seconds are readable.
h=7 m=27
